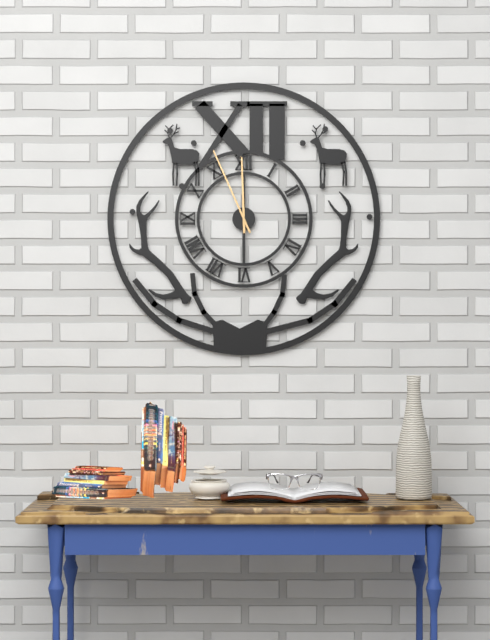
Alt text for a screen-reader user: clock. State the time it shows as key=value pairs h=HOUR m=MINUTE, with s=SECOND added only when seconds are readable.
h=11 m=56
